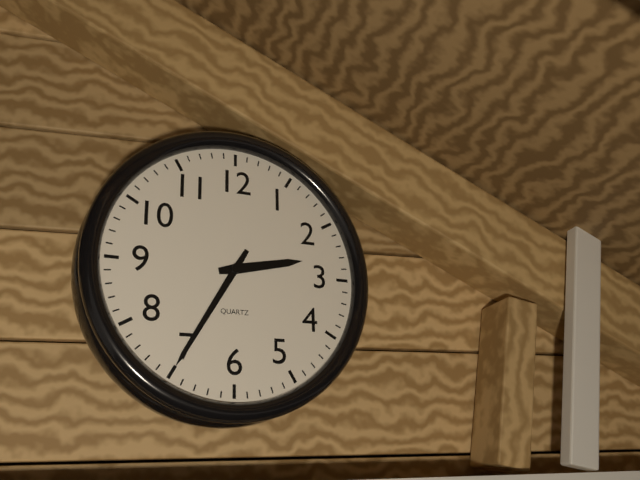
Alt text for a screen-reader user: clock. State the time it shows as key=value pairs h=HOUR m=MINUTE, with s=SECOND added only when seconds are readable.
h=2 m=35
